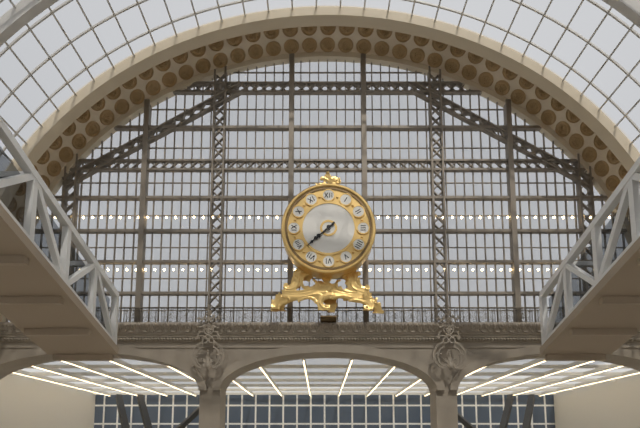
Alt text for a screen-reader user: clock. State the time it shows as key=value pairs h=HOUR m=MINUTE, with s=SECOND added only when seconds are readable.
h=7 m=38
